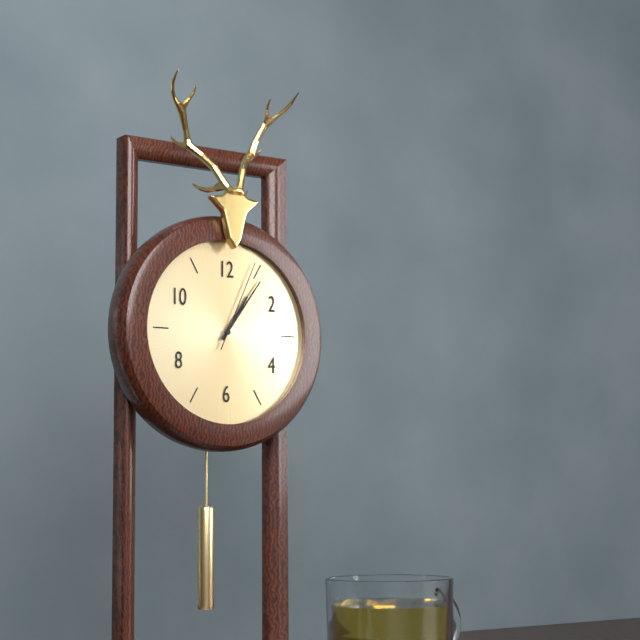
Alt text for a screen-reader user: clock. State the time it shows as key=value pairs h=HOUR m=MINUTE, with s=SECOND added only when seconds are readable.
h=1 m=6 s=4
